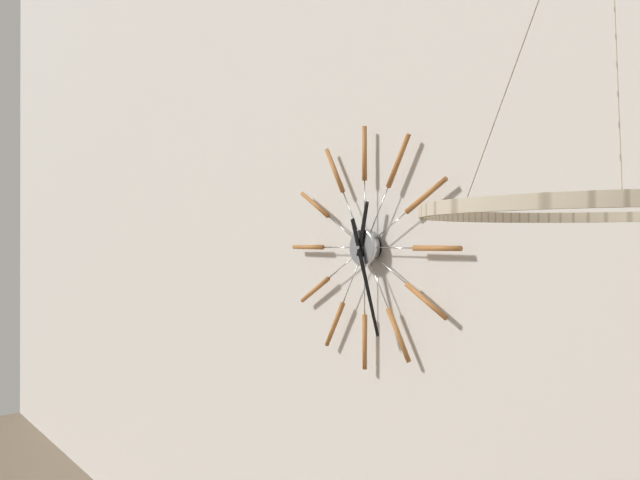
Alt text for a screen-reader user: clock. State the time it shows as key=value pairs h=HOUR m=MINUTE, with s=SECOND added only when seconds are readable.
h=12 m=27
